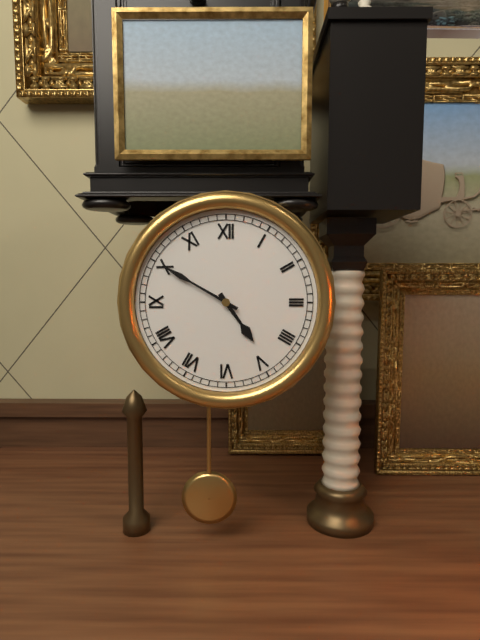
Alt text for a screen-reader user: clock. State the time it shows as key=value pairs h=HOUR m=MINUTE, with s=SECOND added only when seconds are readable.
h=4 m=50
